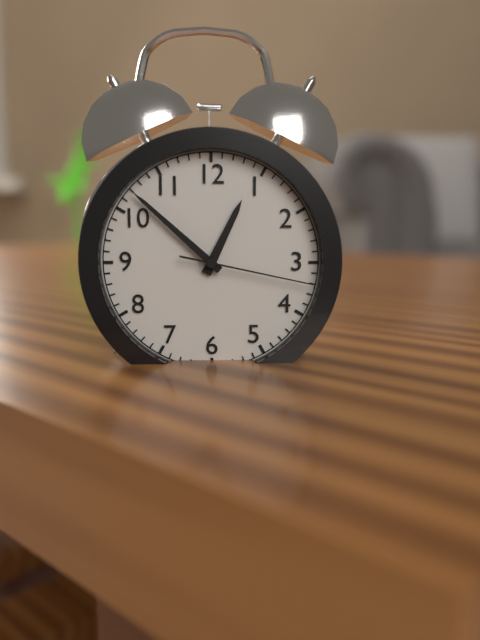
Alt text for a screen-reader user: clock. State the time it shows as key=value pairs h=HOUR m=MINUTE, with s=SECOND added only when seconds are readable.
h=12 m=52 s=17
